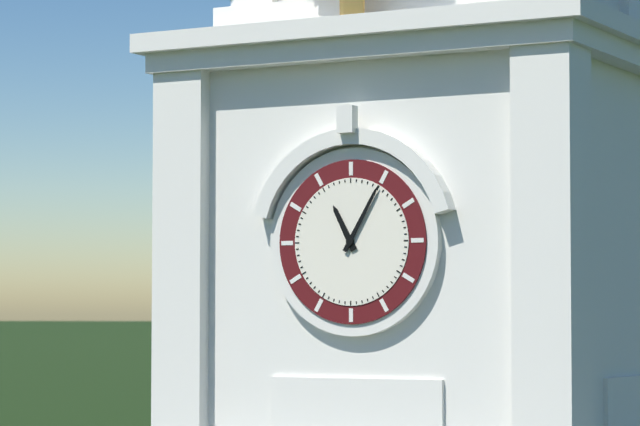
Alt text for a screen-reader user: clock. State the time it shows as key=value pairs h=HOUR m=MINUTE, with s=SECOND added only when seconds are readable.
h=11 m=5
